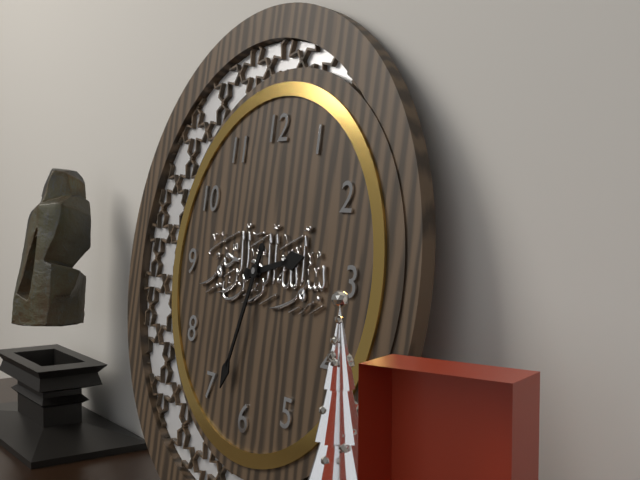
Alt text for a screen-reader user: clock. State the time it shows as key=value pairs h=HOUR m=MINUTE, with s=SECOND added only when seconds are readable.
h=2 m=33
